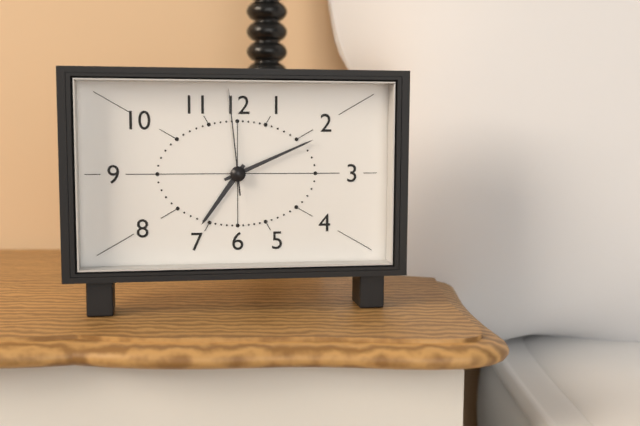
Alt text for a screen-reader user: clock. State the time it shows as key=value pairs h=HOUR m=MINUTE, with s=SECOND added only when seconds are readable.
h=7 m=11 s=59
